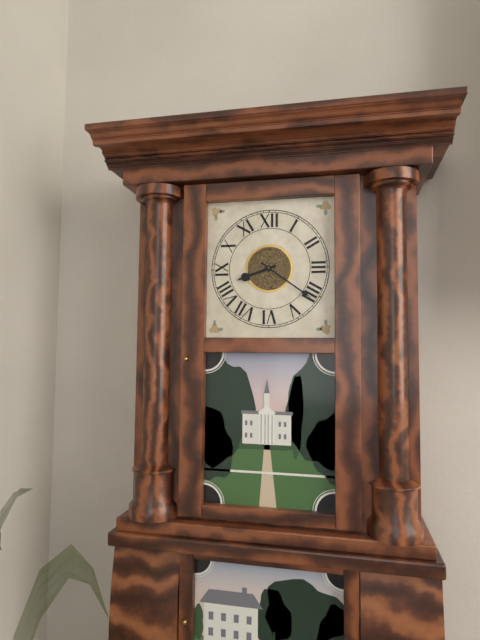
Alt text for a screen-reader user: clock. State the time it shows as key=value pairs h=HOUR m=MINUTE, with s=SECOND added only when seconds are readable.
h=8 m=21
